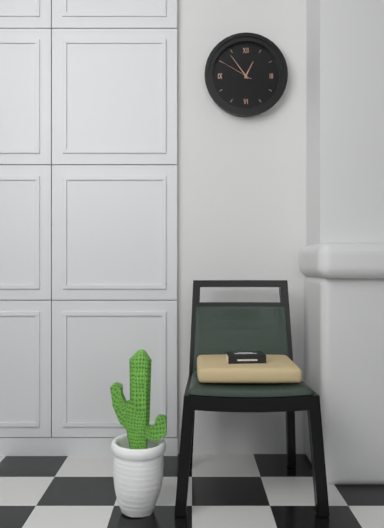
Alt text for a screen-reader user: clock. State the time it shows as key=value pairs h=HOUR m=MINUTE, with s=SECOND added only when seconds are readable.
h=12 m=54
